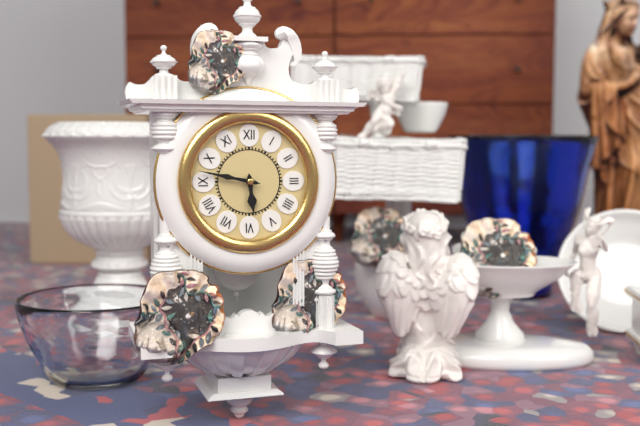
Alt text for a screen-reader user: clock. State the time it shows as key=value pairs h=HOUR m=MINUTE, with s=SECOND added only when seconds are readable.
h=5 m=47
